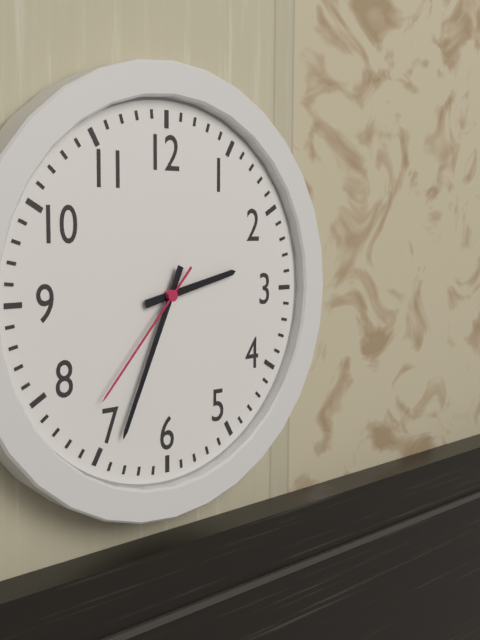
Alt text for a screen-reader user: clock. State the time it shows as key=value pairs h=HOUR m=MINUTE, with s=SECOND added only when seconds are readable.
h=2 m=34 s=37
